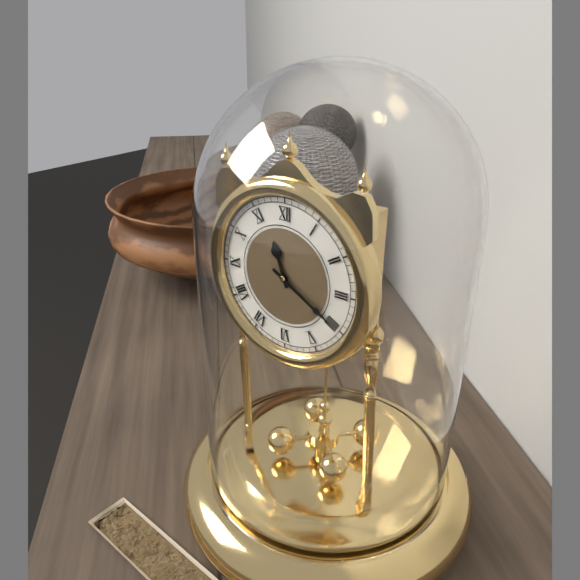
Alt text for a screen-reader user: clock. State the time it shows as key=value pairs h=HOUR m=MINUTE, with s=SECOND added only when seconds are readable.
h=11 m=20
